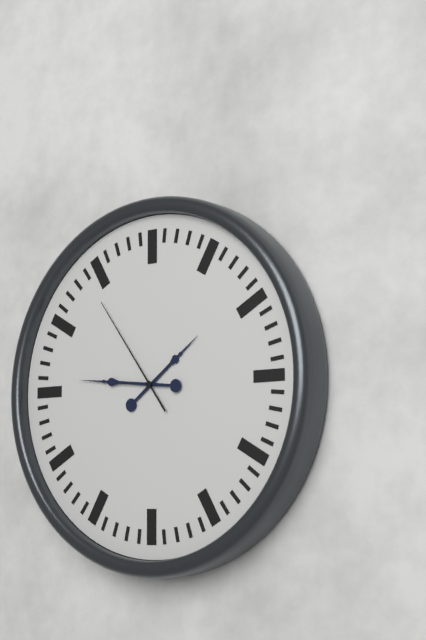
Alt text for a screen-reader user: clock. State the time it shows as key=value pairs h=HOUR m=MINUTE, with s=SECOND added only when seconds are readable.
h=1 m=46 s=54
